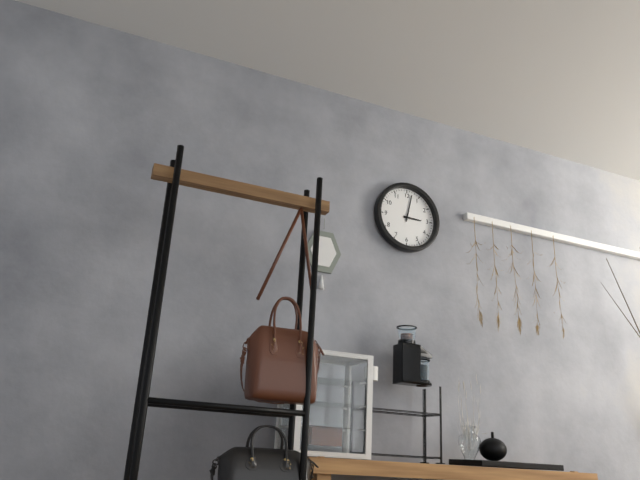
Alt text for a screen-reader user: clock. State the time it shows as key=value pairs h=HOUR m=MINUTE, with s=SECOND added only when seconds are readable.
h=3 m=2
